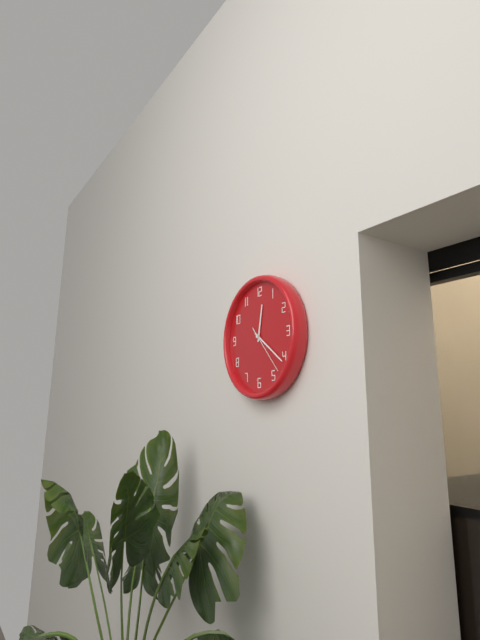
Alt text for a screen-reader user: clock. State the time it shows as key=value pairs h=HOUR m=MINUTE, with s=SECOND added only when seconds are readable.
h=12 m=21
